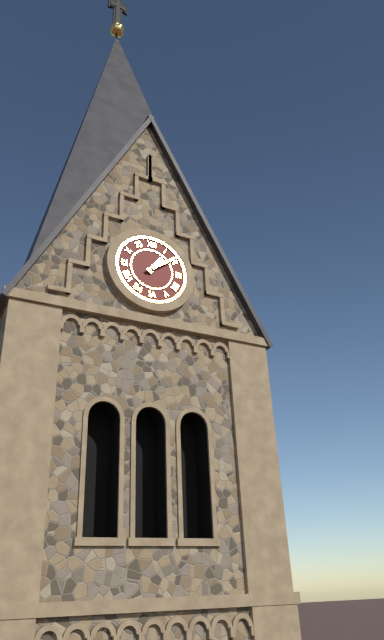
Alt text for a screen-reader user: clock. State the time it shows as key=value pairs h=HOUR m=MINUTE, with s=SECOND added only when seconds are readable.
h=1 m=9
